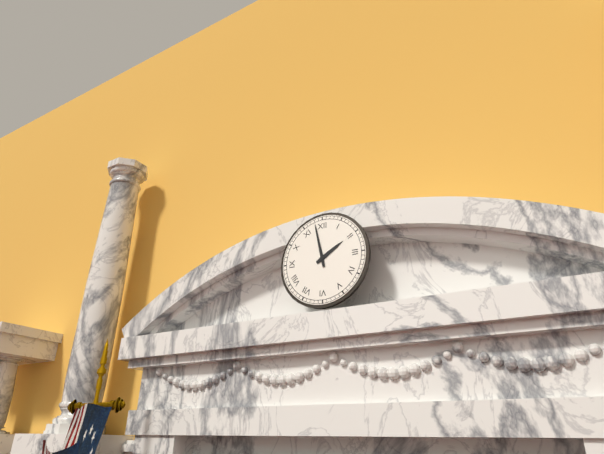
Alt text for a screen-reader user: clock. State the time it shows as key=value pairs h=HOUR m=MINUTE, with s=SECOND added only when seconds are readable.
h=1 m=58
